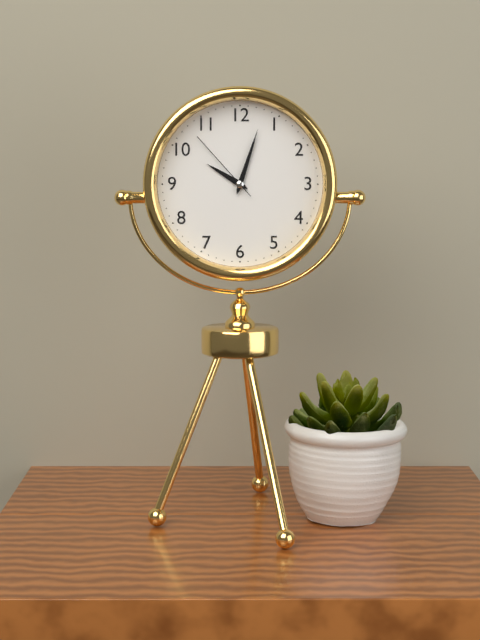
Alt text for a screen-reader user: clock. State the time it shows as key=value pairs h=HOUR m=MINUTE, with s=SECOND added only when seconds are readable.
h=10 m=3 s=53
